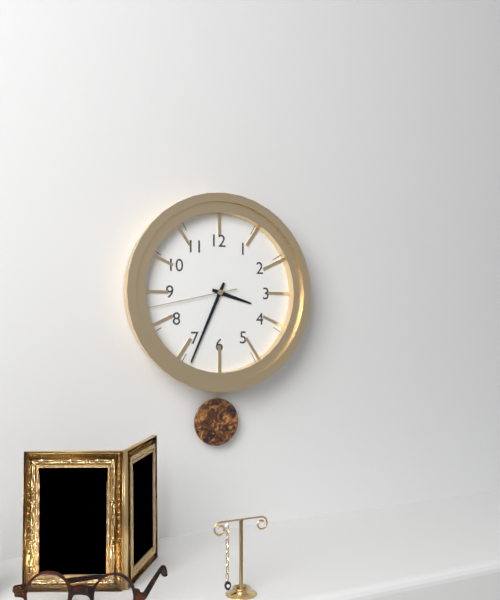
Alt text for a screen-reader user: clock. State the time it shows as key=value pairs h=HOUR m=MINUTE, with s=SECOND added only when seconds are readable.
h=3 m=34 s=43
